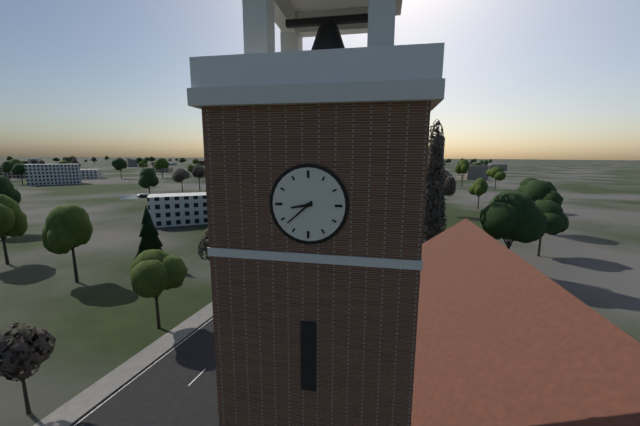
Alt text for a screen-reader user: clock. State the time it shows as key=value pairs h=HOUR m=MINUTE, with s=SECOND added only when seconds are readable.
h=8 m=38
